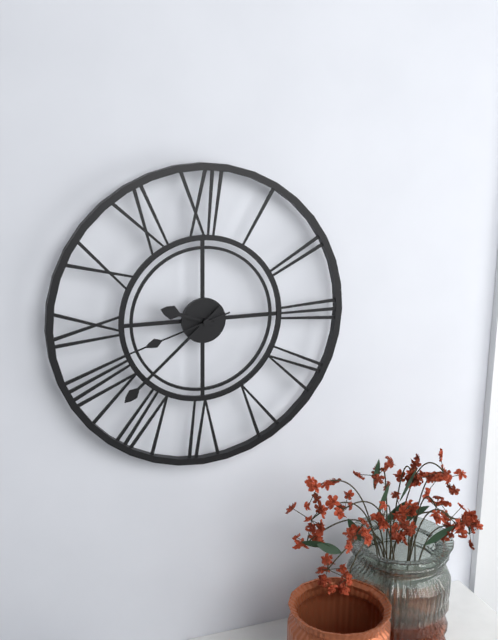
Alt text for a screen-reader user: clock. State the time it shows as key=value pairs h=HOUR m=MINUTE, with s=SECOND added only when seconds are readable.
h=9 m=38 s=42
